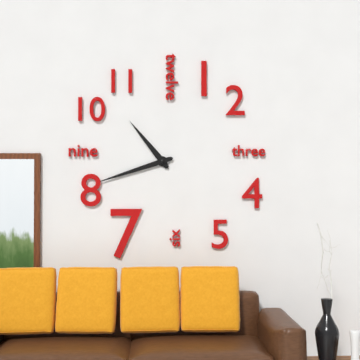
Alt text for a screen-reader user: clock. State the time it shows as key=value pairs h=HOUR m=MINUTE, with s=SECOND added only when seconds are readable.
h=10 m=42
